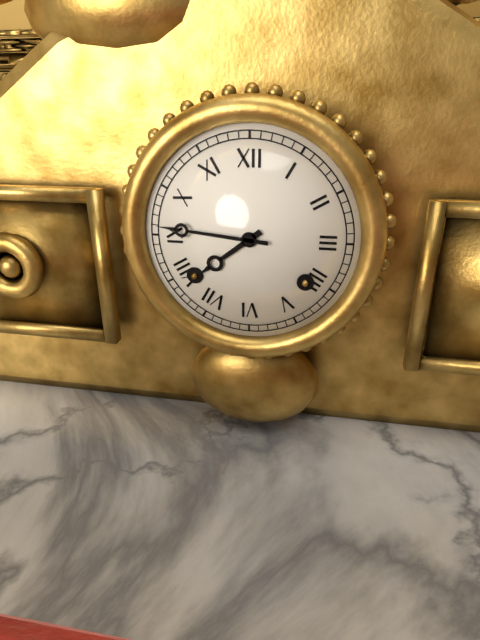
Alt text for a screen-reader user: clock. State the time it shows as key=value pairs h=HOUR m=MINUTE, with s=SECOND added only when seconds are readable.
h=7 m=46
